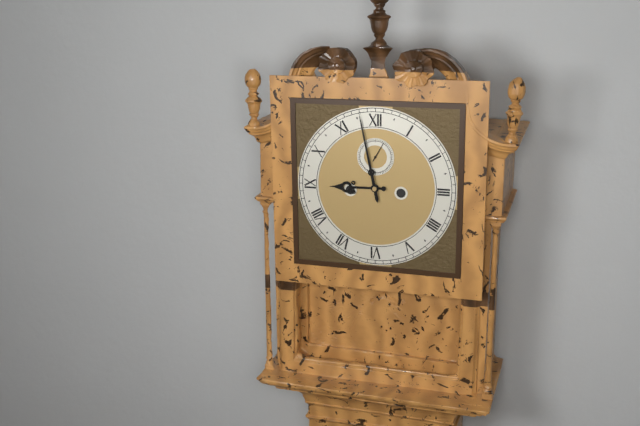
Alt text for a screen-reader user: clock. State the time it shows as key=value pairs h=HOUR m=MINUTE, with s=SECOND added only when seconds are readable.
h=8 m=58
